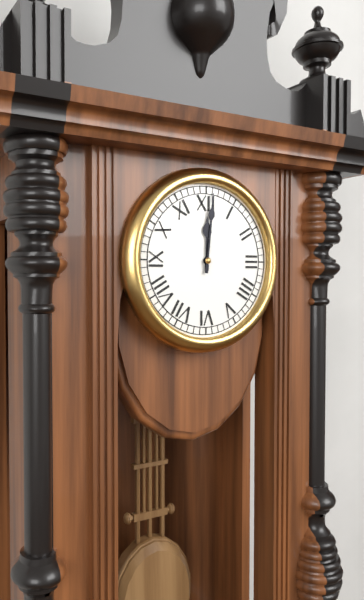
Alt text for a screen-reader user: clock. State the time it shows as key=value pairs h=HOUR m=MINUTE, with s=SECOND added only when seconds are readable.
h=12 m=1
